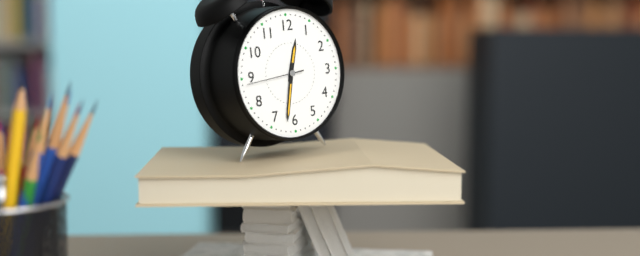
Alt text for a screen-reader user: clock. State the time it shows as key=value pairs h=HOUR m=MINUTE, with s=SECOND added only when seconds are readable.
h=12 m=32 s=44
